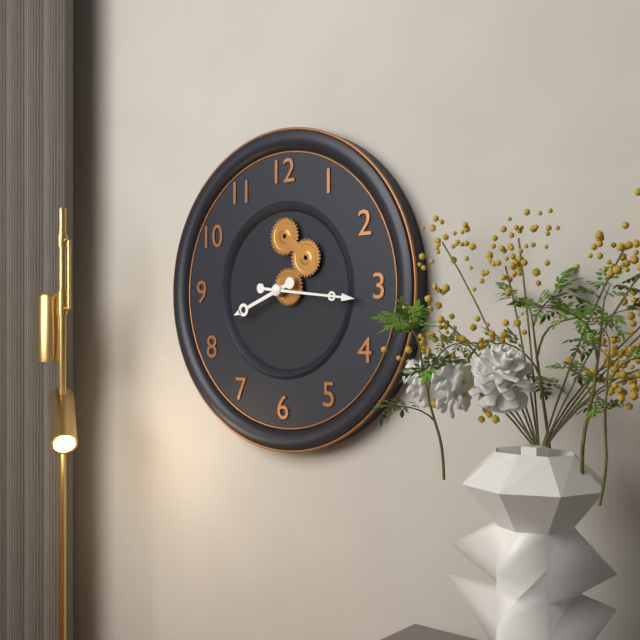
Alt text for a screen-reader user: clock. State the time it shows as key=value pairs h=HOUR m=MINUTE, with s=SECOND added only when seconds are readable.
h=8 m=16
